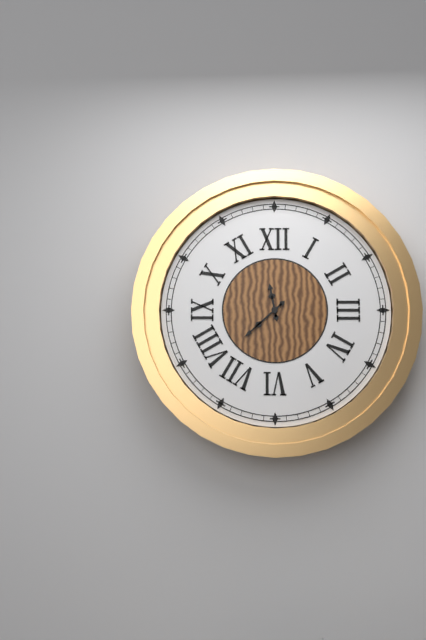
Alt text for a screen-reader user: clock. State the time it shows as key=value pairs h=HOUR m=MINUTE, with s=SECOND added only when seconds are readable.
h=11 m=38
